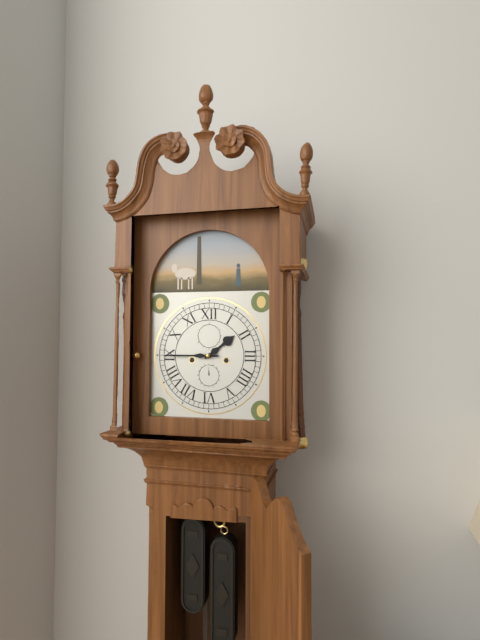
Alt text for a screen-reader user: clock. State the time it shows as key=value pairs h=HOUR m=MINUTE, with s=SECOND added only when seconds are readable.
h=1 m=45
